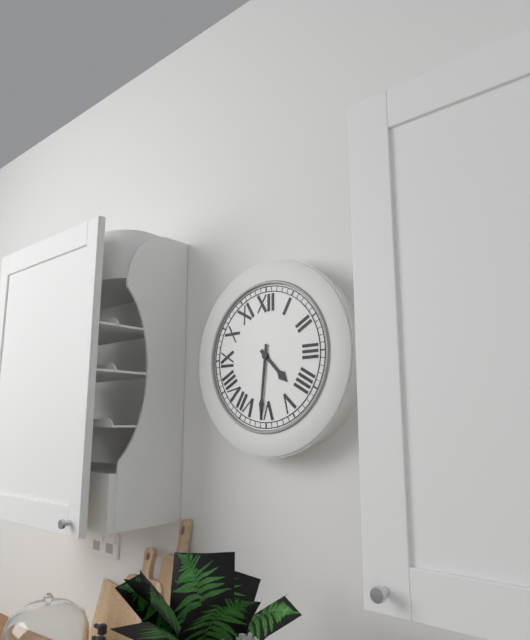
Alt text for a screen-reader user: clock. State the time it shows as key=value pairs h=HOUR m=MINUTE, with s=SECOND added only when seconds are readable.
h=4 m=31
